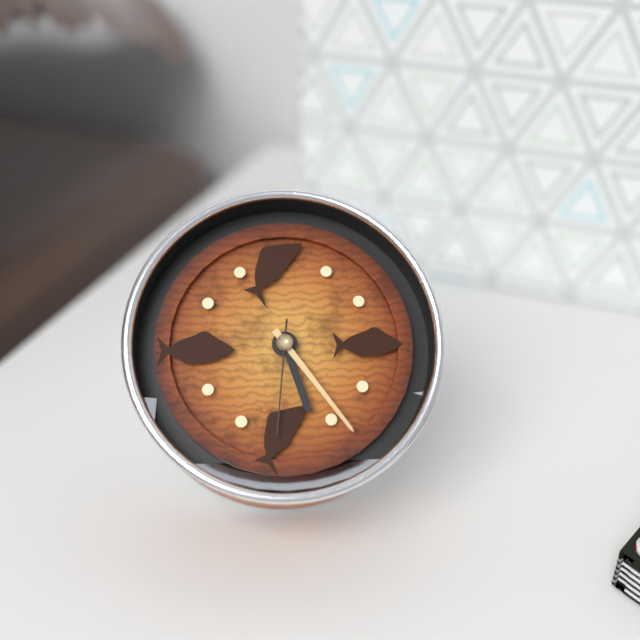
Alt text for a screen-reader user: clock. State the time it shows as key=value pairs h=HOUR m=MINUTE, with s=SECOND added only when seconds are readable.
h=5 m=24 s=31
